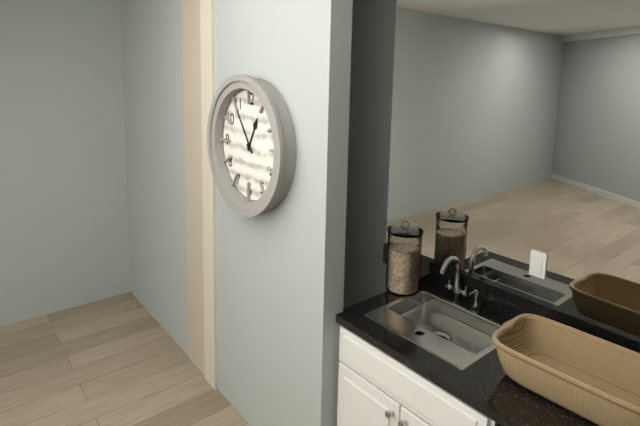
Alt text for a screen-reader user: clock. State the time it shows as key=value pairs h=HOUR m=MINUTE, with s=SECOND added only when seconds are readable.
h=12 m=54
